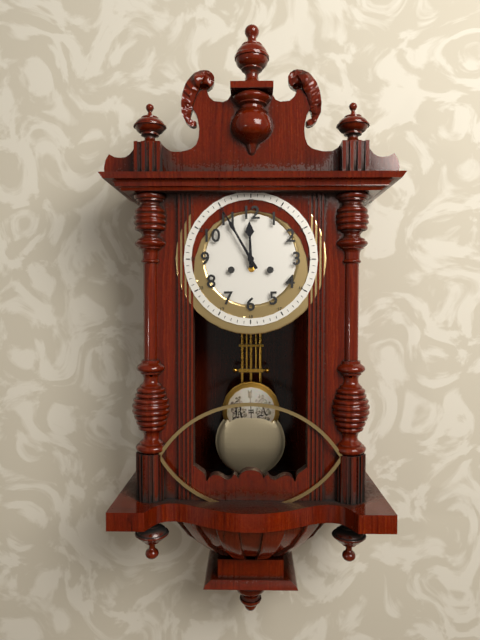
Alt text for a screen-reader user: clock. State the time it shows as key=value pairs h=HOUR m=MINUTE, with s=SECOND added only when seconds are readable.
h=11 m=55
